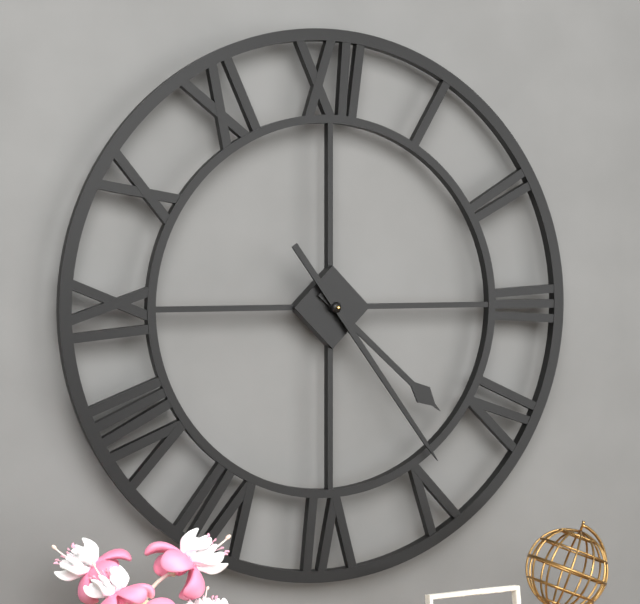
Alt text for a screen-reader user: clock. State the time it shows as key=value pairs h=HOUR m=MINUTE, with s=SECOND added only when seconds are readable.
h=4 m=24
